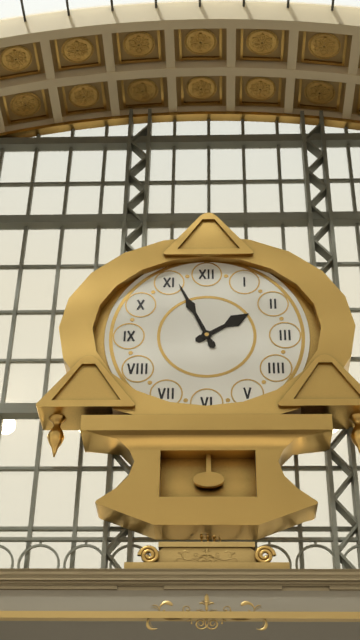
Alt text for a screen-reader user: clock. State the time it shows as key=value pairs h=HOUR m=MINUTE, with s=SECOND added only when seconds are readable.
h=1 m=56
